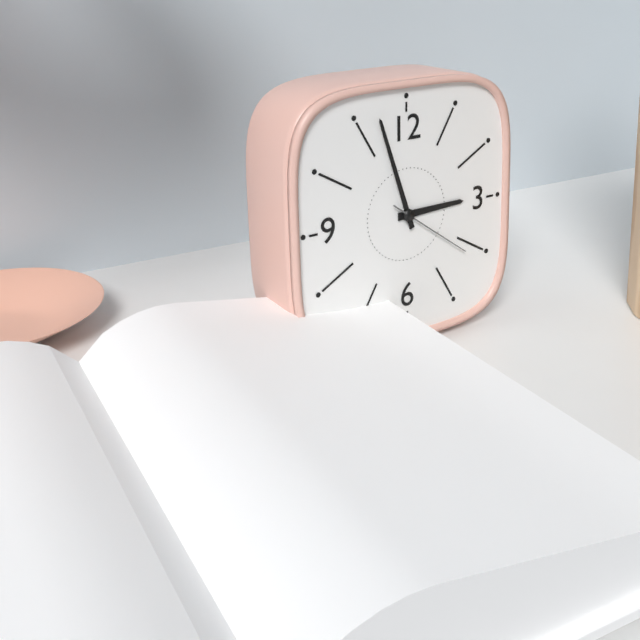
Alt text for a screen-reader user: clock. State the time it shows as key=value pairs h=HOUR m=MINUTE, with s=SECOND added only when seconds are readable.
h=2 m=57 s=21
